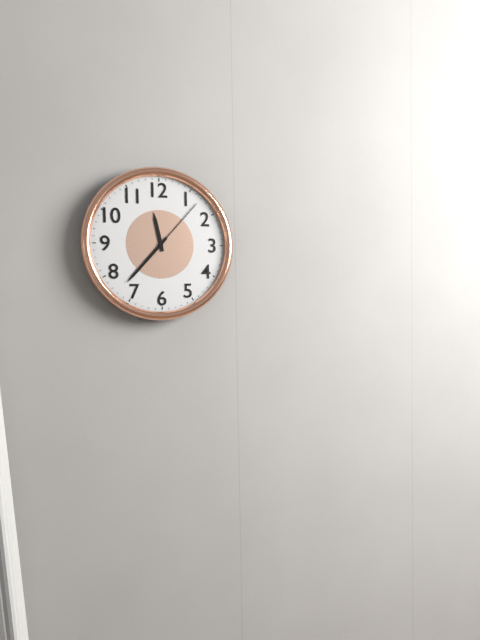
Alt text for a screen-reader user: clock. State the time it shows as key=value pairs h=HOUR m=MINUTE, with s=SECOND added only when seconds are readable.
h=11 m=37 s=7
